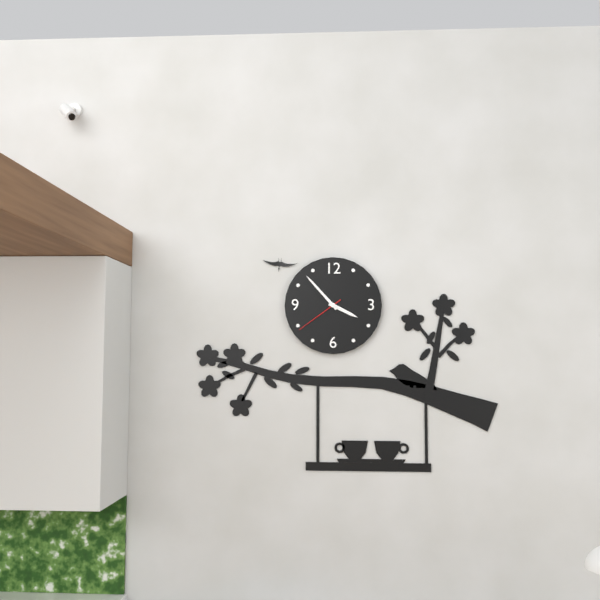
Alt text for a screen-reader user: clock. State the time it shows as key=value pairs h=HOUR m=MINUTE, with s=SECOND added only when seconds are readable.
h=3 m=53 s=39
